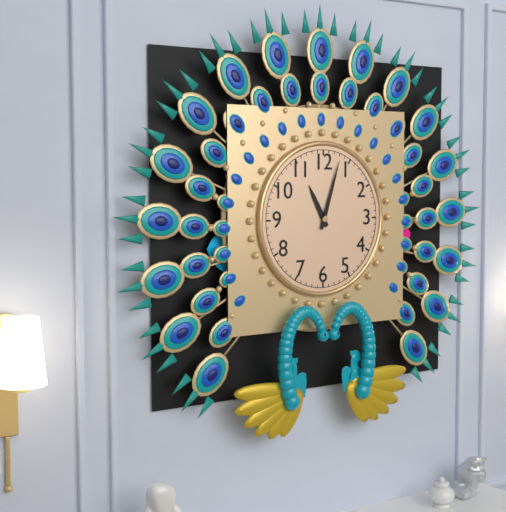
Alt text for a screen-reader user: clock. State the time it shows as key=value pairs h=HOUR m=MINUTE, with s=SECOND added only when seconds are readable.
h=11 m=3
